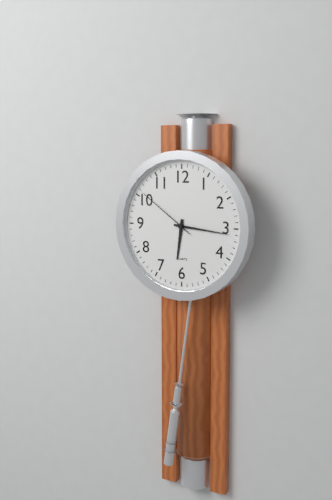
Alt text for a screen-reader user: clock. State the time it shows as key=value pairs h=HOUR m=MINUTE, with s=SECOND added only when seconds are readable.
h=6 m=16 s=51
